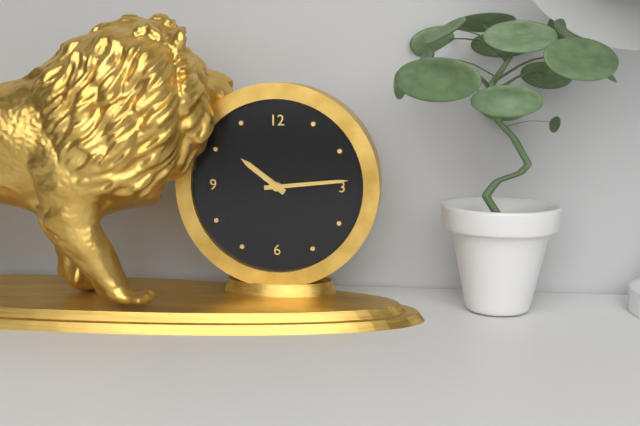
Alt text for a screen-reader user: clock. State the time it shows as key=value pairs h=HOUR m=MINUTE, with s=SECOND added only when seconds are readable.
h=10 m=14
